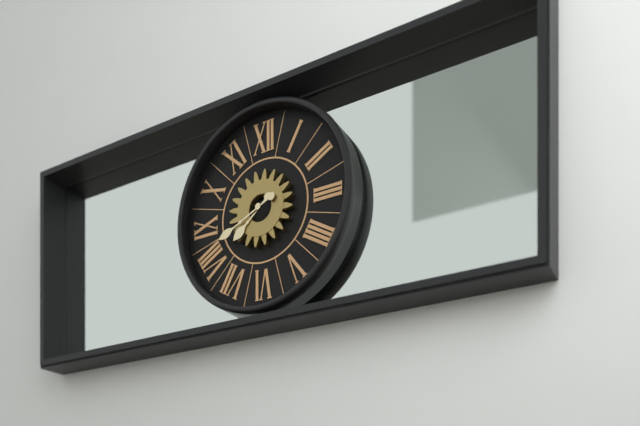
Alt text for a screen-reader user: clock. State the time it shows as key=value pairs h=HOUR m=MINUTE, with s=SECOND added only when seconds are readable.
h=7 m=41
